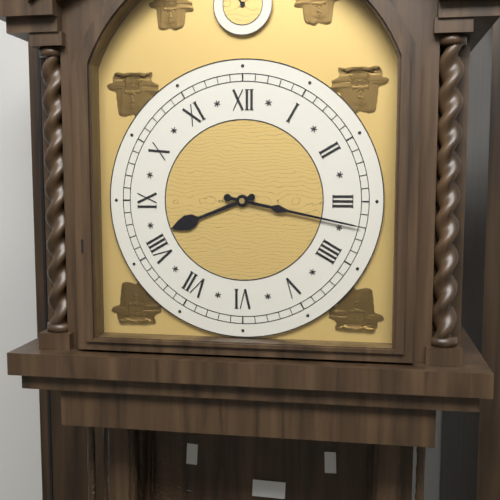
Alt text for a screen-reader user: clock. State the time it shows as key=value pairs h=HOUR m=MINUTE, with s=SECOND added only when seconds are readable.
h=8 m=17
